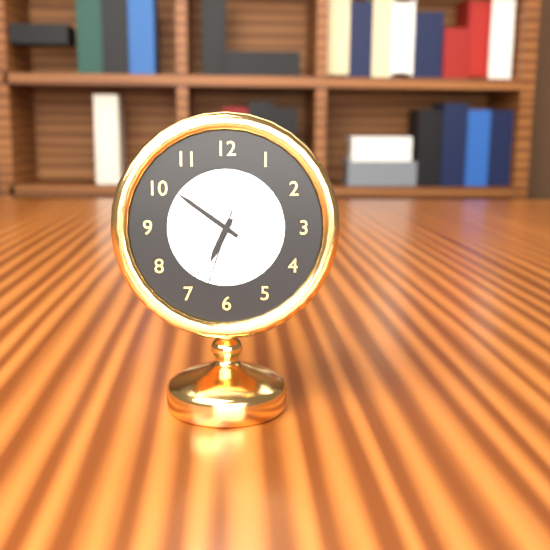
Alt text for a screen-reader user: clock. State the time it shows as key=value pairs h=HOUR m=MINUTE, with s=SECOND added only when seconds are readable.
h=6 m=51 s=33
